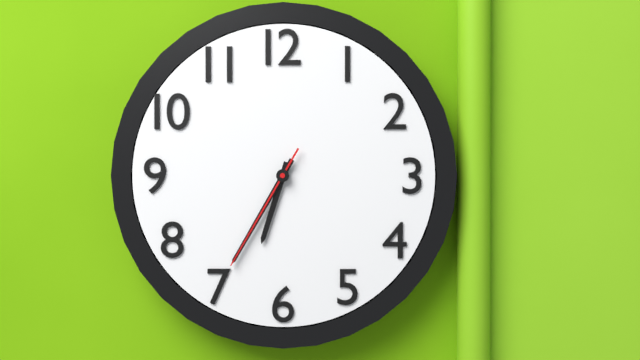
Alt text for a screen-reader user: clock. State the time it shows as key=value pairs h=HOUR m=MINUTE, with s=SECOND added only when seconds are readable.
h=6 m=35 s=35
